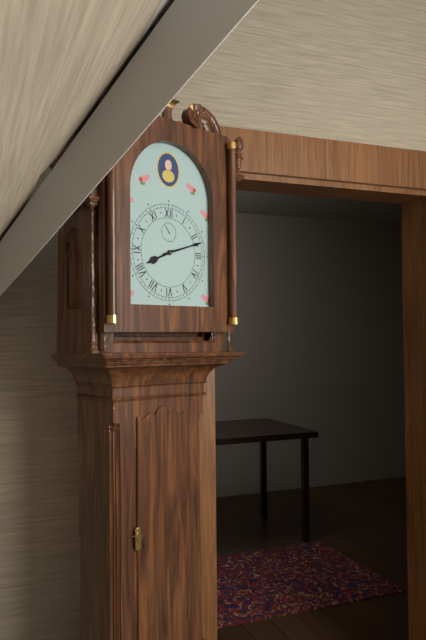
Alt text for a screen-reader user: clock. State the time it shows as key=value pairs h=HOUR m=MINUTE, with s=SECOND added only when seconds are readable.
h=8 m=12
